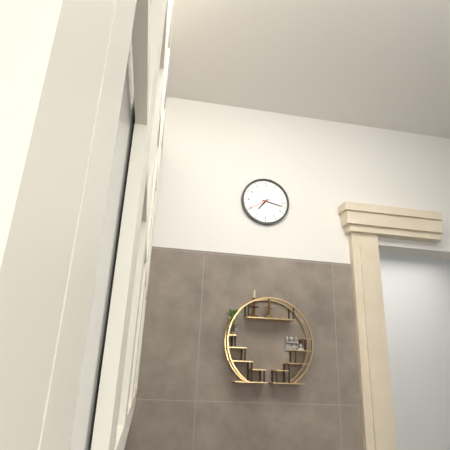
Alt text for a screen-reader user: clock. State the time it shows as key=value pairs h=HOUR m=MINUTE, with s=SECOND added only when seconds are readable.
h=7 m=17
